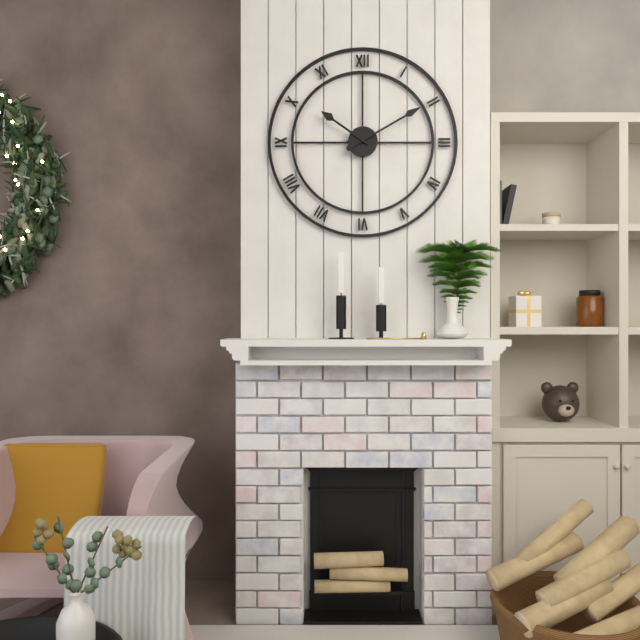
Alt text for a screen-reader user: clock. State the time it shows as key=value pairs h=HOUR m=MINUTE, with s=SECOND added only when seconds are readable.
h=10 m=10
